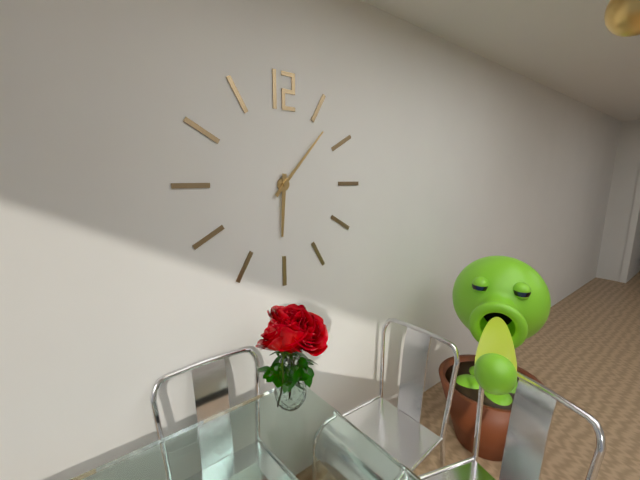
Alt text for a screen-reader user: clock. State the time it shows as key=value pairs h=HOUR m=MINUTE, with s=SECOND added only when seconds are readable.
h=6 m=7
